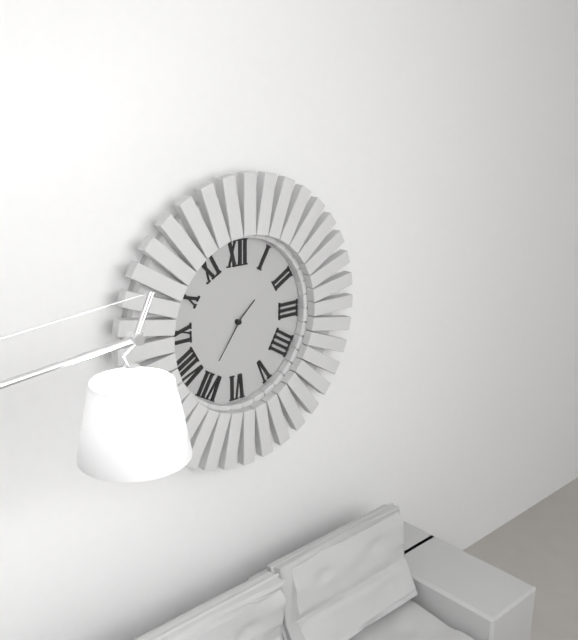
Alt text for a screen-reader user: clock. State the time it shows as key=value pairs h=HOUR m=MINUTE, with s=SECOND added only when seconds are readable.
h=1 m=36
